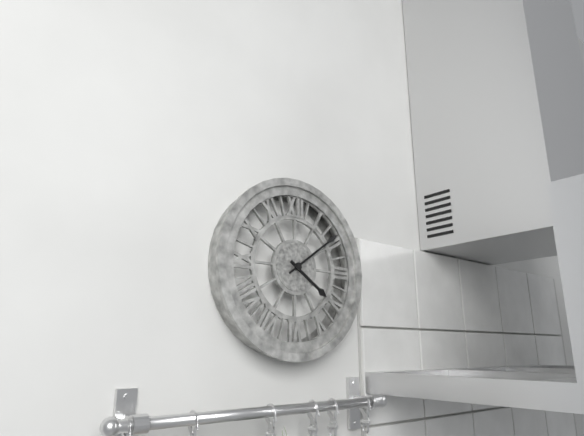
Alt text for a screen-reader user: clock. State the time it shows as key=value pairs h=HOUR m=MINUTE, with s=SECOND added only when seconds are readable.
h=4 m=9
